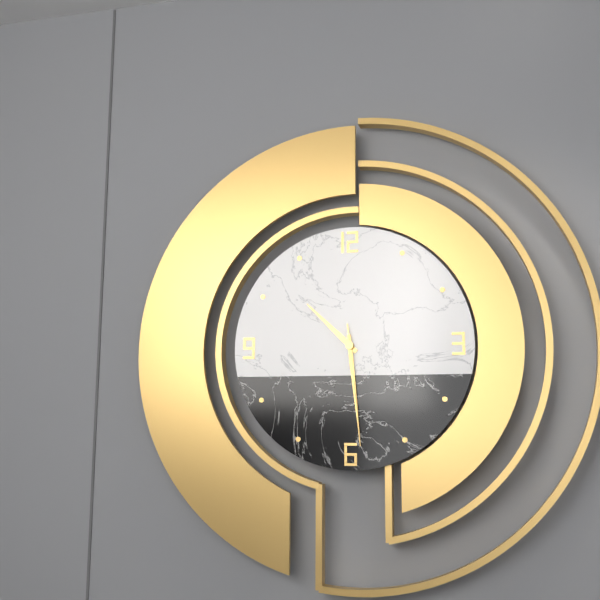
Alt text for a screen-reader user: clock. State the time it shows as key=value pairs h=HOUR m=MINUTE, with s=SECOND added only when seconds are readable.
h=10 m=29 s=29
